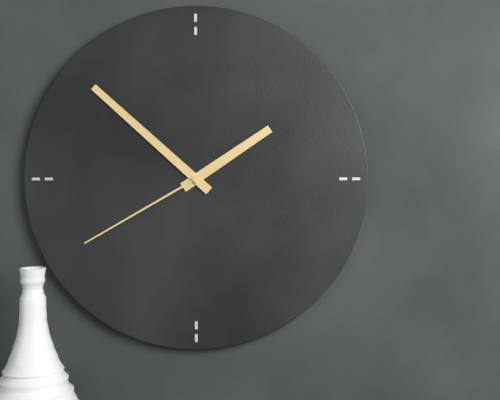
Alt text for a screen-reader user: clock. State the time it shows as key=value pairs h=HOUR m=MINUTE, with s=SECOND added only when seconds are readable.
h=1 m=52 s=40
